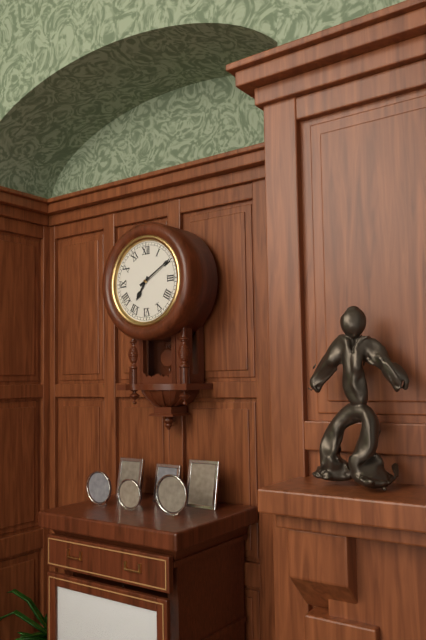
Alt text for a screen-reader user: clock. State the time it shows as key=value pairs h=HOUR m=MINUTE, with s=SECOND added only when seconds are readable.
h=7 m=10
